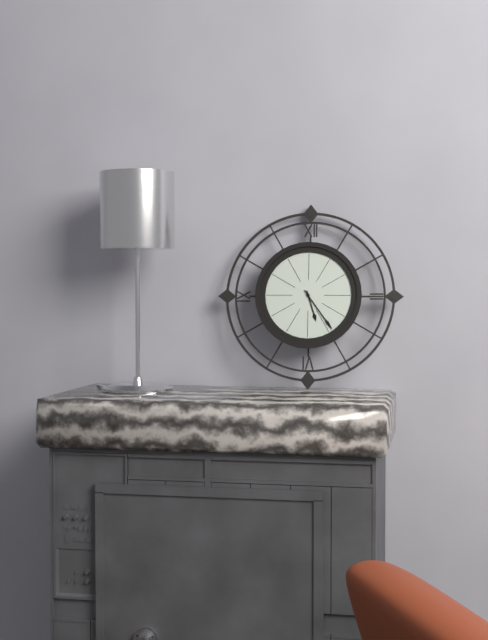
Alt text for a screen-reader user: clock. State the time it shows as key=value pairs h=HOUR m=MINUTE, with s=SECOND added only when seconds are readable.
h=5 m=24
